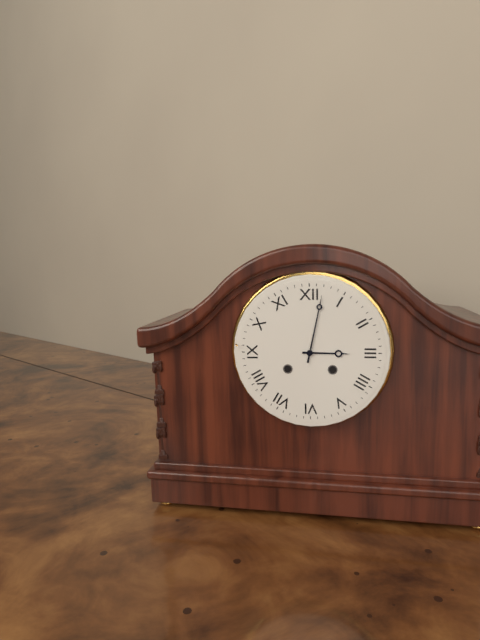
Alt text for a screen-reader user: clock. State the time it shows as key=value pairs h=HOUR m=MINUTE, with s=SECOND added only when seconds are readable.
h=3 m=2
